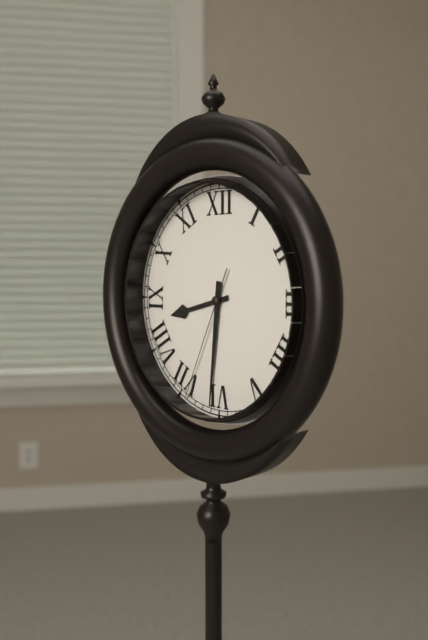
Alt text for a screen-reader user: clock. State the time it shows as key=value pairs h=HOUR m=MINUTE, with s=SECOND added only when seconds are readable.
h=8 m=31 s=34
